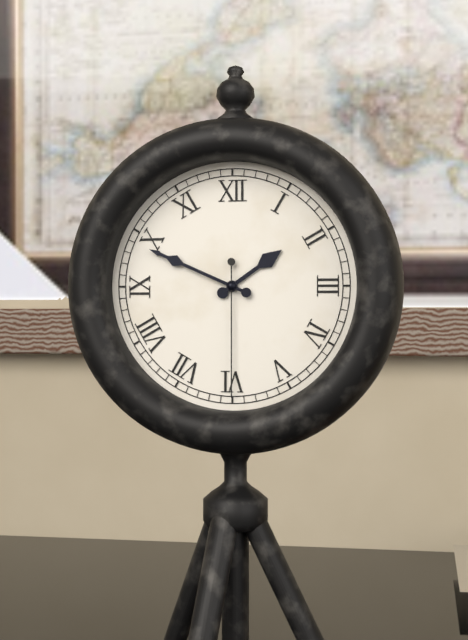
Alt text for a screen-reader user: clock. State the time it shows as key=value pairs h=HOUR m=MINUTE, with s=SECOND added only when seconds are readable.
h=1 m=49 s=30
